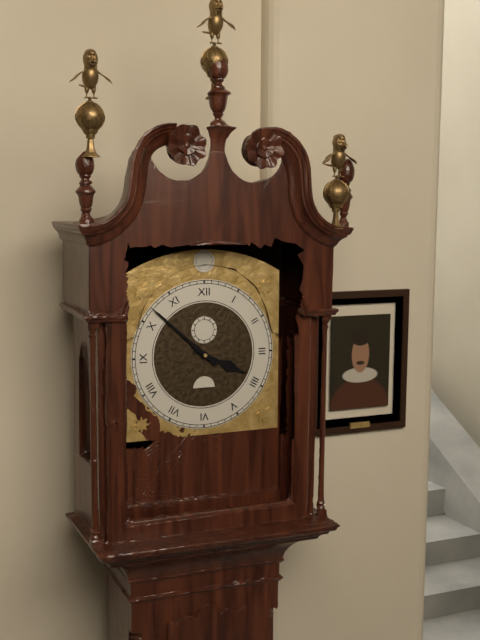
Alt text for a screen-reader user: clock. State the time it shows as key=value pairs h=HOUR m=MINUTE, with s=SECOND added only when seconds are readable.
h=3 m=52
